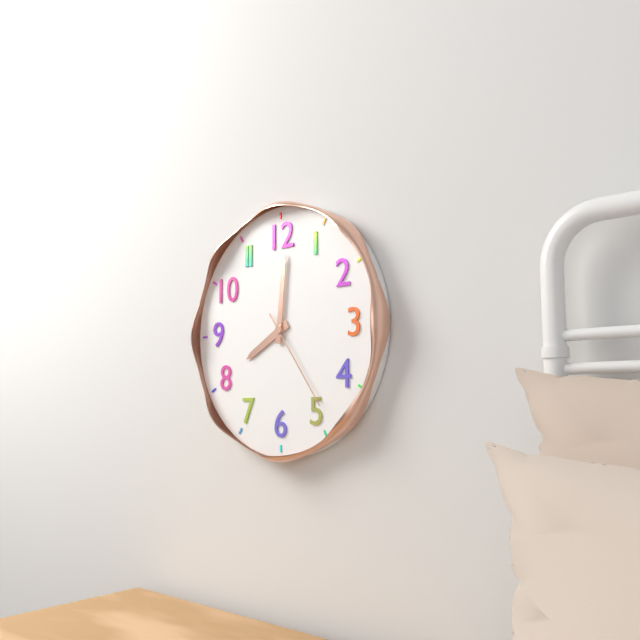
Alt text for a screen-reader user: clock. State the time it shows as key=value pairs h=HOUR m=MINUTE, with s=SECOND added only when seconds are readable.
h=8 m=1 s=24
